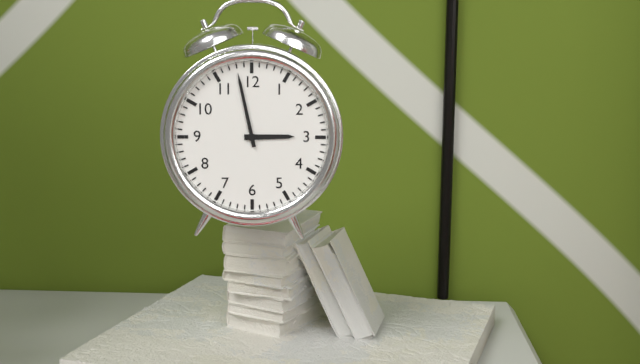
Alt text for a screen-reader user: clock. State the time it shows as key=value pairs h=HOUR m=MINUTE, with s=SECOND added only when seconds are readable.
h=2 m=58
